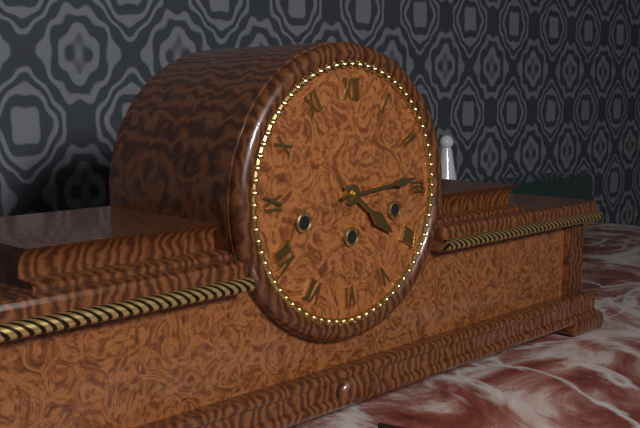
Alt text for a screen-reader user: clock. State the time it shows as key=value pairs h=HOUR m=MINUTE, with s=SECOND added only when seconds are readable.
h=4 m=14
